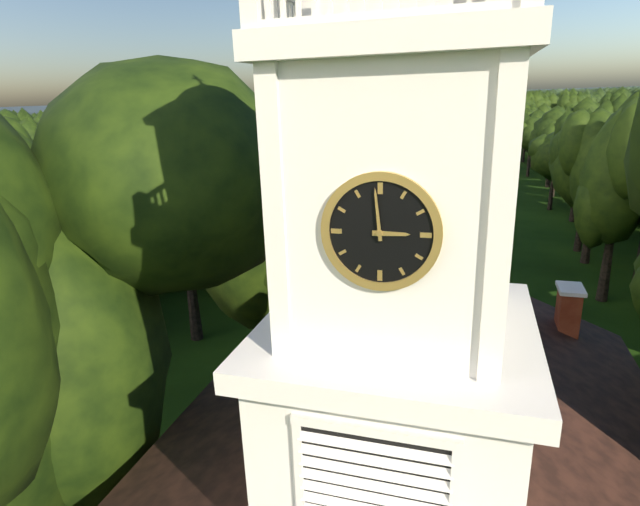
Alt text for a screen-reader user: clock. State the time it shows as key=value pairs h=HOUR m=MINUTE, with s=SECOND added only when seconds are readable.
h=2 m=59
